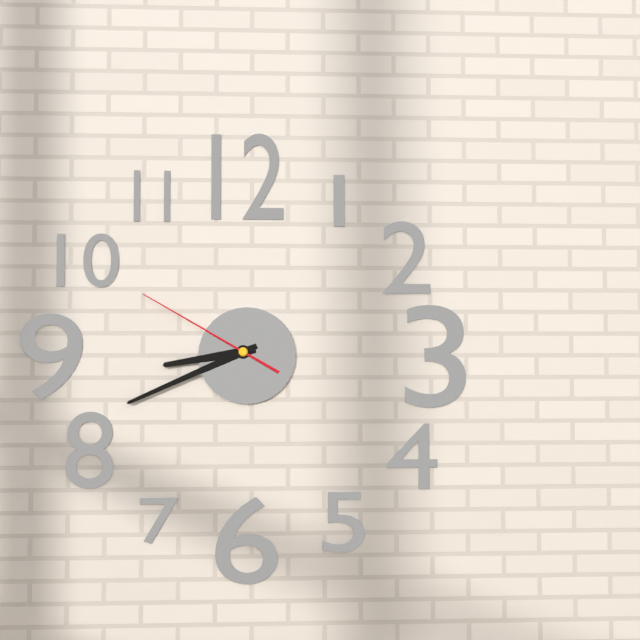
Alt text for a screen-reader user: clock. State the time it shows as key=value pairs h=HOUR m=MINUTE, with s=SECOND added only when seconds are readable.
h=8 m=41 s=50
